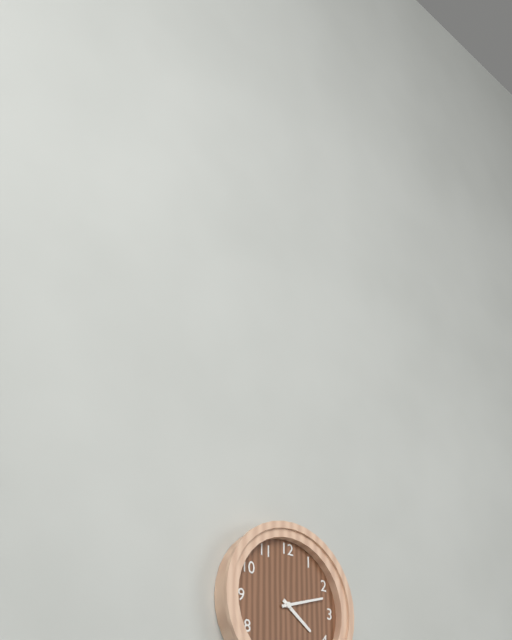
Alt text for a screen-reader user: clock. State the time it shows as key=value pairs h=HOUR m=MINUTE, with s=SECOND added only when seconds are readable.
h=4 m=12
